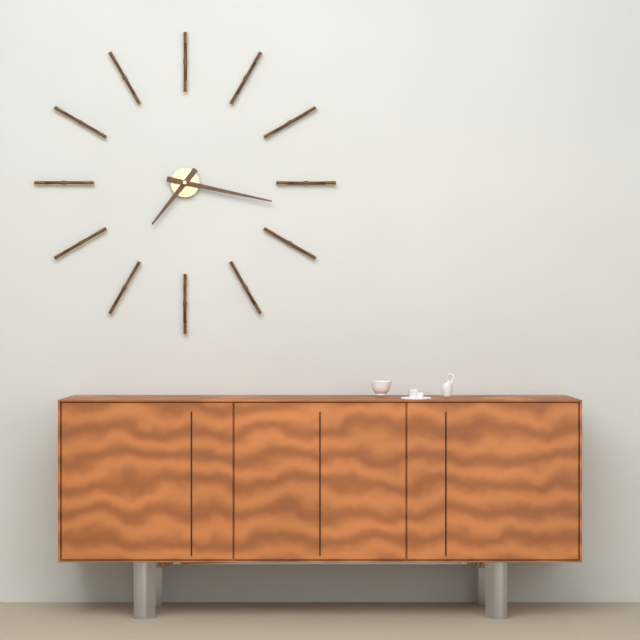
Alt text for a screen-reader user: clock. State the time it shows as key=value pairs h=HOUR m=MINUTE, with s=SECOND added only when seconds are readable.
h=7 m=17
